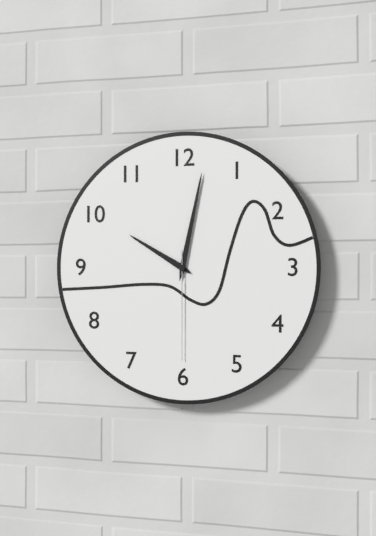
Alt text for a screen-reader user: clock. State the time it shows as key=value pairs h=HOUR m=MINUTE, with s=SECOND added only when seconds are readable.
h=10 m=2 s=30
